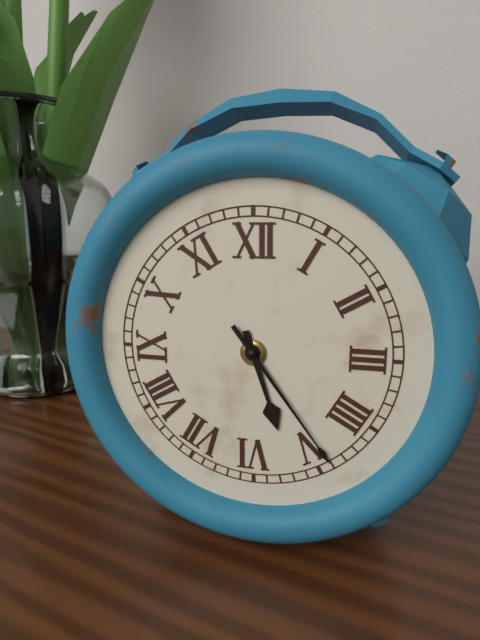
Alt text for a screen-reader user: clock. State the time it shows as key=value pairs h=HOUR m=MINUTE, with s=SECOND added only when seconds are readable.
h=5 m=24
